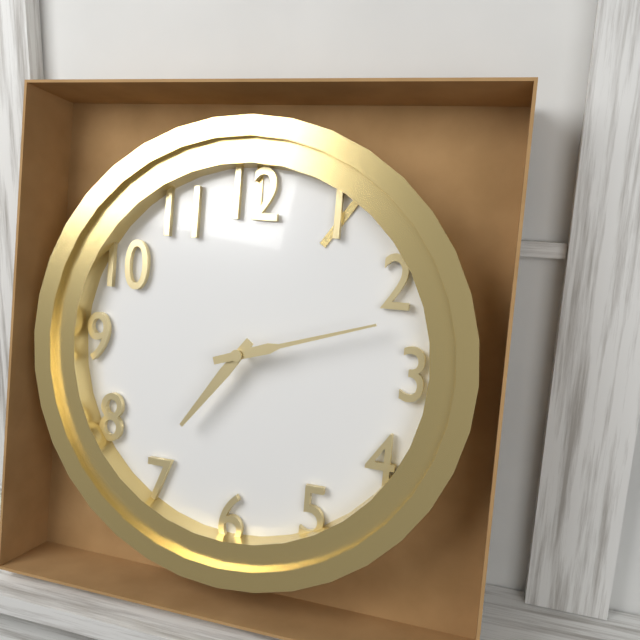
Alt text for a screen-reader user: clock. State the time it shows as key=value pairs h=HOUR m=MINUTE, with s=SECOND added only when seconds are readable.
h=7 m=12
